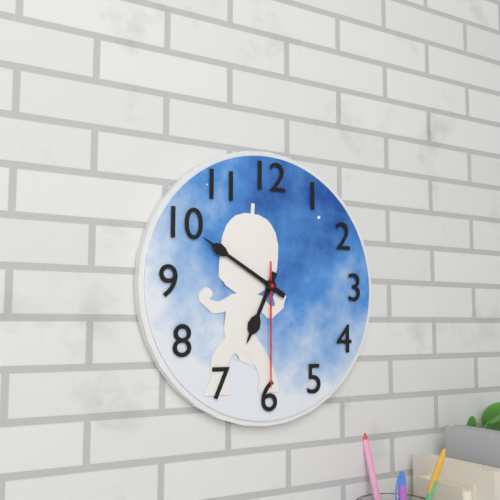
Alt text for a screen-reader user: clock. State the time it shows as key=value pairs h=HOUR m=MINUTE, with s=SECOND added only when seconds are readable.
h=6 m=50 s=30
